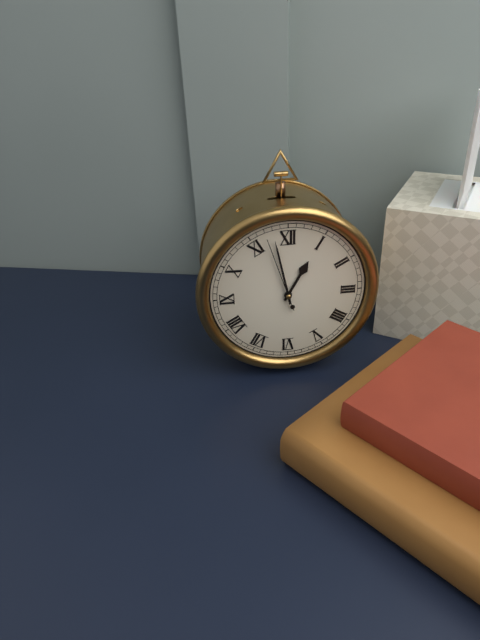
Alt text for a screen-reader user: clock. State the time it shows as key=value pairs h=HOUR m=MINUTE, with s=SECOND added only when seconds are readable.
h=12 m=58 s=57
